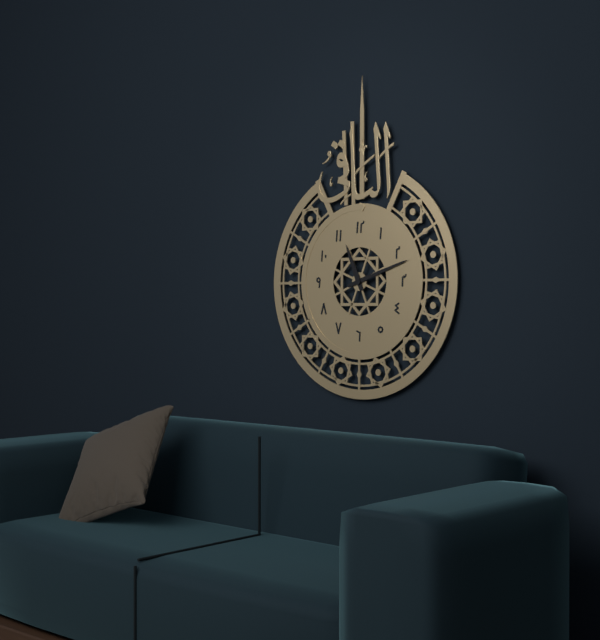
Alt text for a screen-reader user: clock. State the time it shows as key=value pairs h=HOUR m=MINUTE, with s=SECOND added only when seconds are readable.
h=11 m=12
